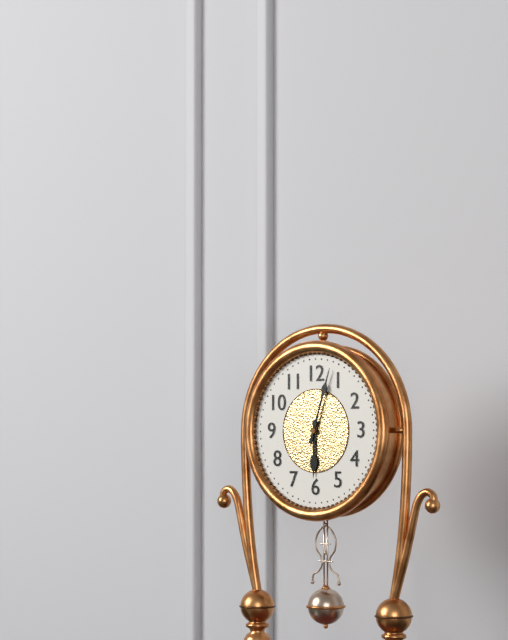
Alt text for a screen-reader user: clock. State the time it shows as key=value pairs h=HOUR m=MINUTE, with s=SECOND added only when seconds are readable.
h=6 m=3
